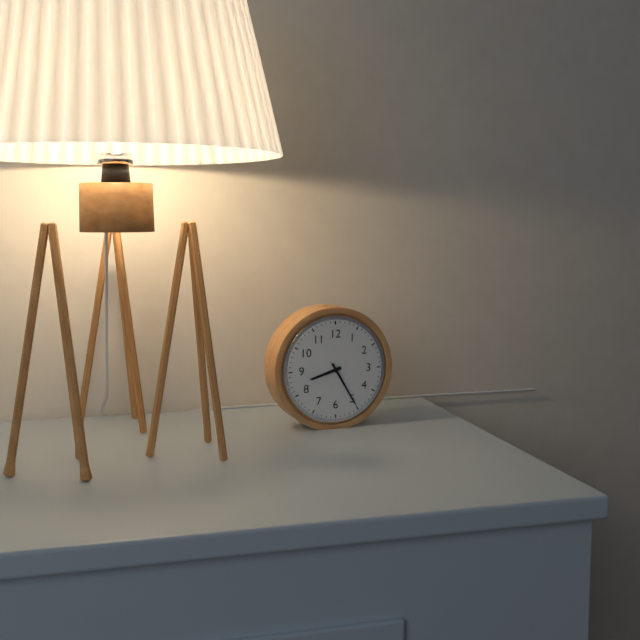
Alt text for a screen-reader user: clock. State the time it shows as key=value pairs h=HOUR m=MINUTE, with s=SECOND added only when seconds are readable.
h=8 m=25
